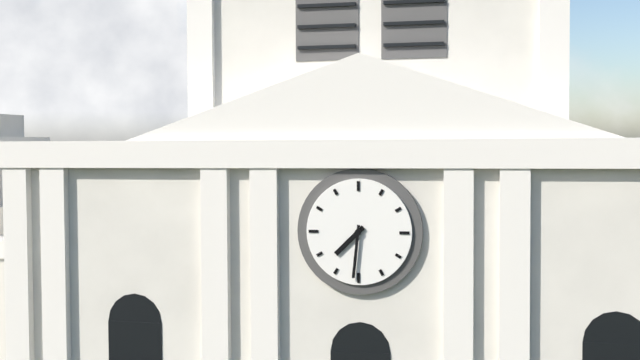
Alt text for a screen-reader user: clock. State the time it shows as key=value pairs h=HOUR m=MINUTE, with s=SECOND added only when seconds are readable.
h=7 m=31
